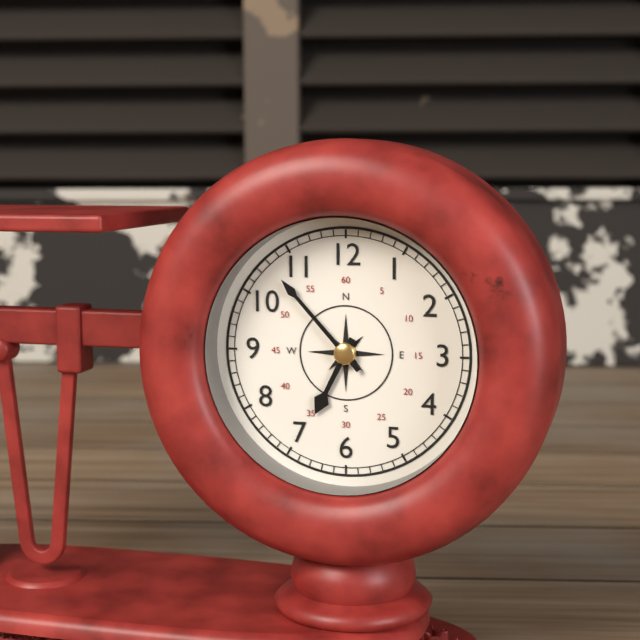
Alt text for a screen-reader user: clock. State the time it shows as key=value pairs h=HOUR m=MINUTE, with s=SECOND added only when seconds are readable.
h=6 m=53
